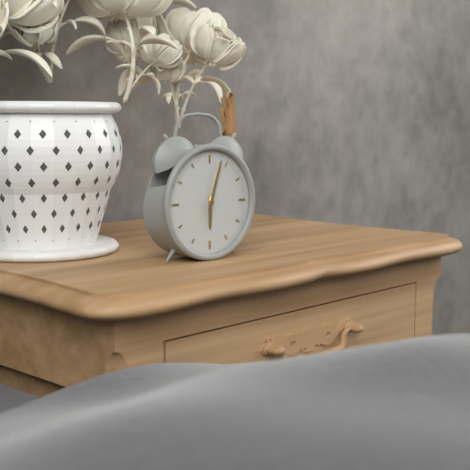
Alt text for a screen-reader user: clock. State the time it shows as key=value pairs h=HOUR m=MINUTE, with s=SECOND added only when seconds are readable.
h=6 m=3
